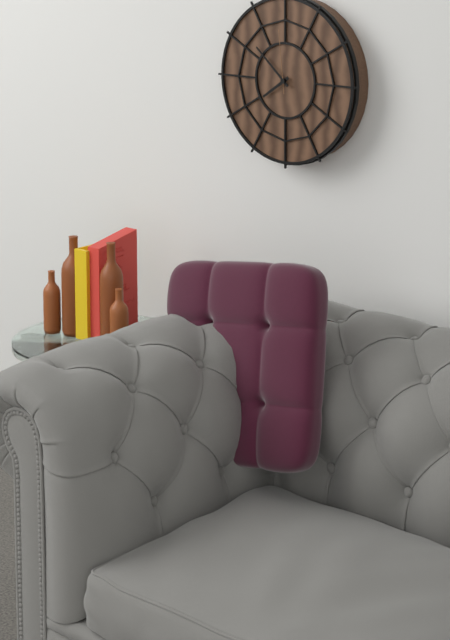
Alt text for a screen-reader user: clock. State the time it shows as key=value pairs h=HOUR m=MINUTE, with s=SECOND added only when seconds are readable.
h=7 m=52 s=59
